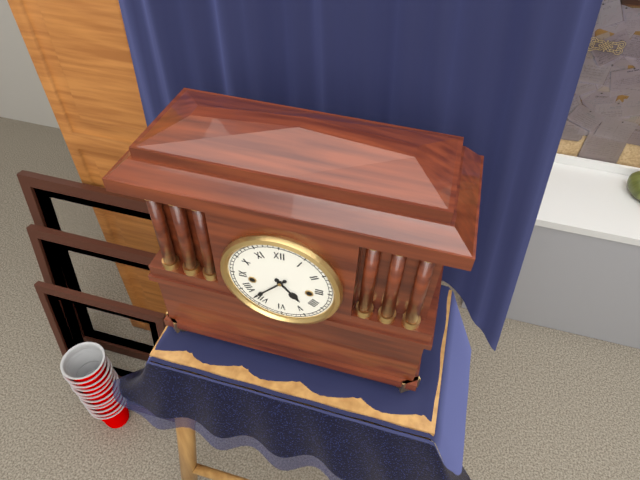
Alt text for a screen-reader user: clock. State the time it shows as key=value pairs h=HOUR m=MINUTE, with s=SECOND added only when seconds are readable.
h=4 m=37
